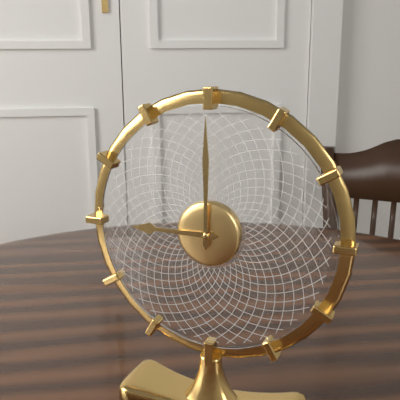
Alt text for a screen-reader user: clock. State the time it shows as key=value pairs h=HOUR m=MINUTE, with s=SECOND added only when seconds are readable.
h=9 m=0
